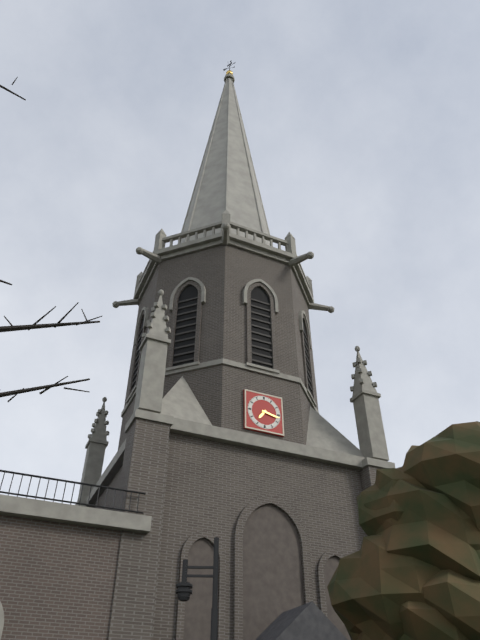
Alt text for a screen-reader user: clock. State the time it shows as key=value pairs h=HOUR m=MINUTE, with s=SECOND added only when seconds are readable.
h=7 m=17
